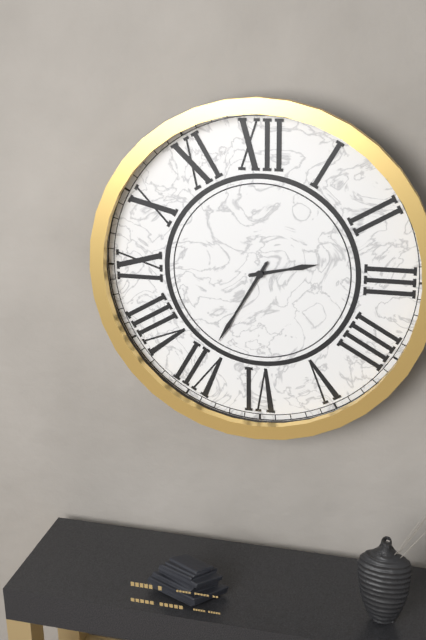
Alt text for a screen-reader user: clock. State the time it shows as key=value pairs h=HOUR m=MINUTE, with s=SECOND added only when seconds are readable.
h=2 m=35
